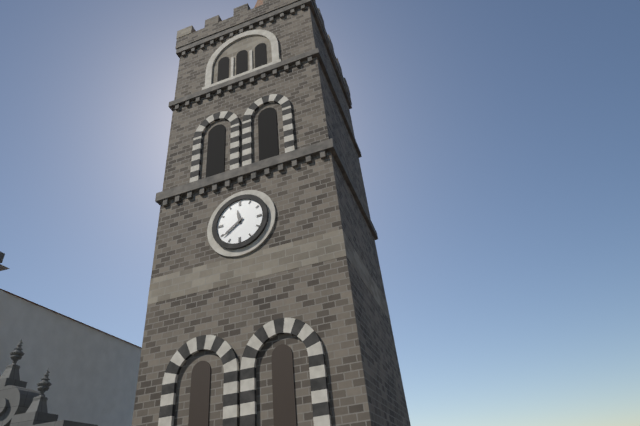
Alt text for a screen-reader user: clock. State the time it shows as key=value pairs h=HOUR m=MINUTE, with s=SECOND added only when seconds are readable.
h=11 m=39
